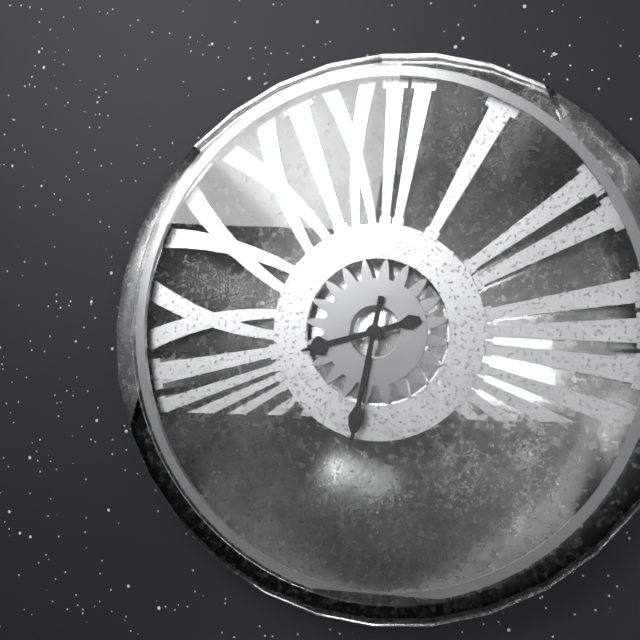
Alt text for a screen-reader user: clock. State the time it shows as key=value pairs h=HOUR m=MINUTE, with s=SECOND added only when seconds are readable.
h=8 m=32
